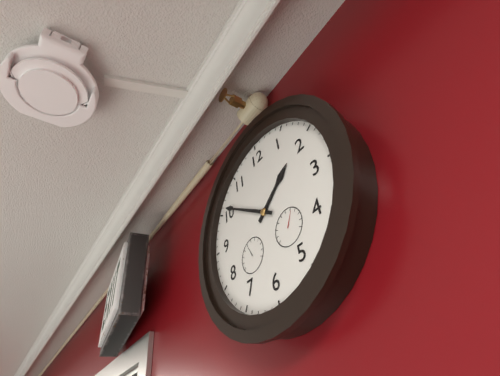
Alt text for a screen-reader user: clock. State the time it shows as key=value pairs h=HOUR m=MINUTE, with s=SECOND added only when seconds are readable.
h=1 m=51
